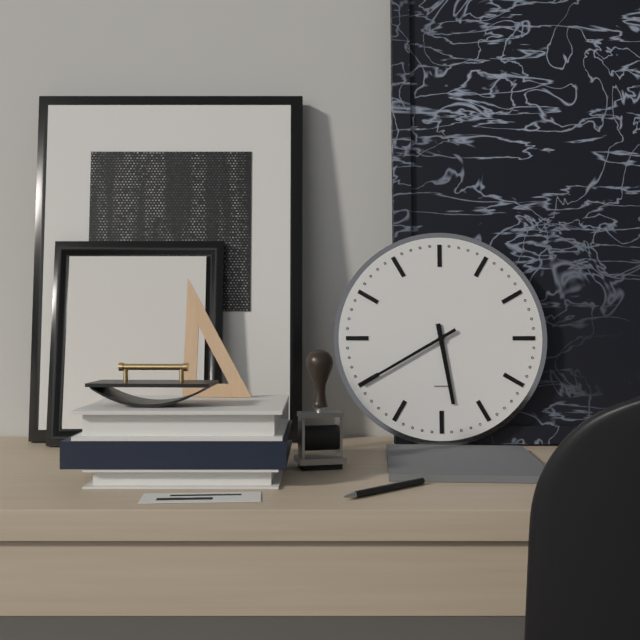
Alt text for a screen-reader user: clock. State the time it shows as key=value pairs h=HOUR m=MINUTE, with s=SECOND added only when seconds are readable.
h=5 m=40
